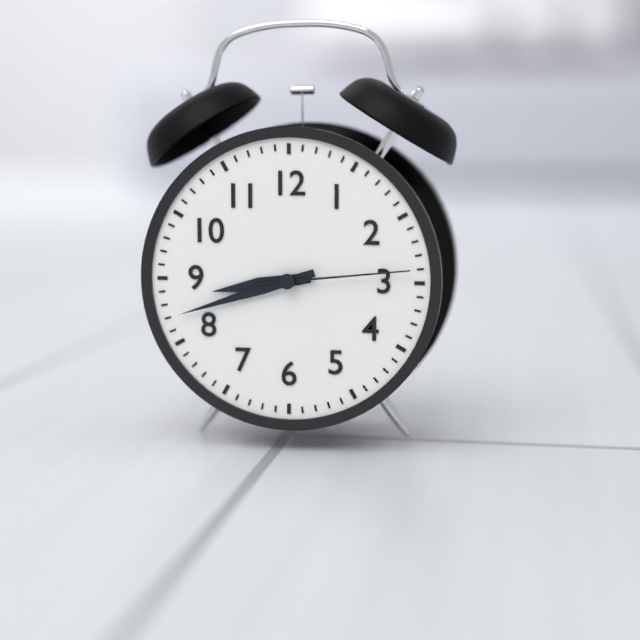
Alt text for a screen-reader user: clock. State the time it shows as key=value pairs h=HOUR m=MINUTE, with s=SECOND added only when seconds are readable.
h=8 m=42 s=14
